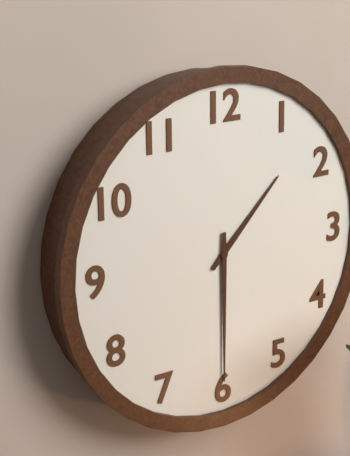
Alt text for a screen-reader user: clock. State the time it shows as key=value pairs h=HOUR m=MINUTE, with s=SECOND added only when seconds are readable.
h=1 m=30
